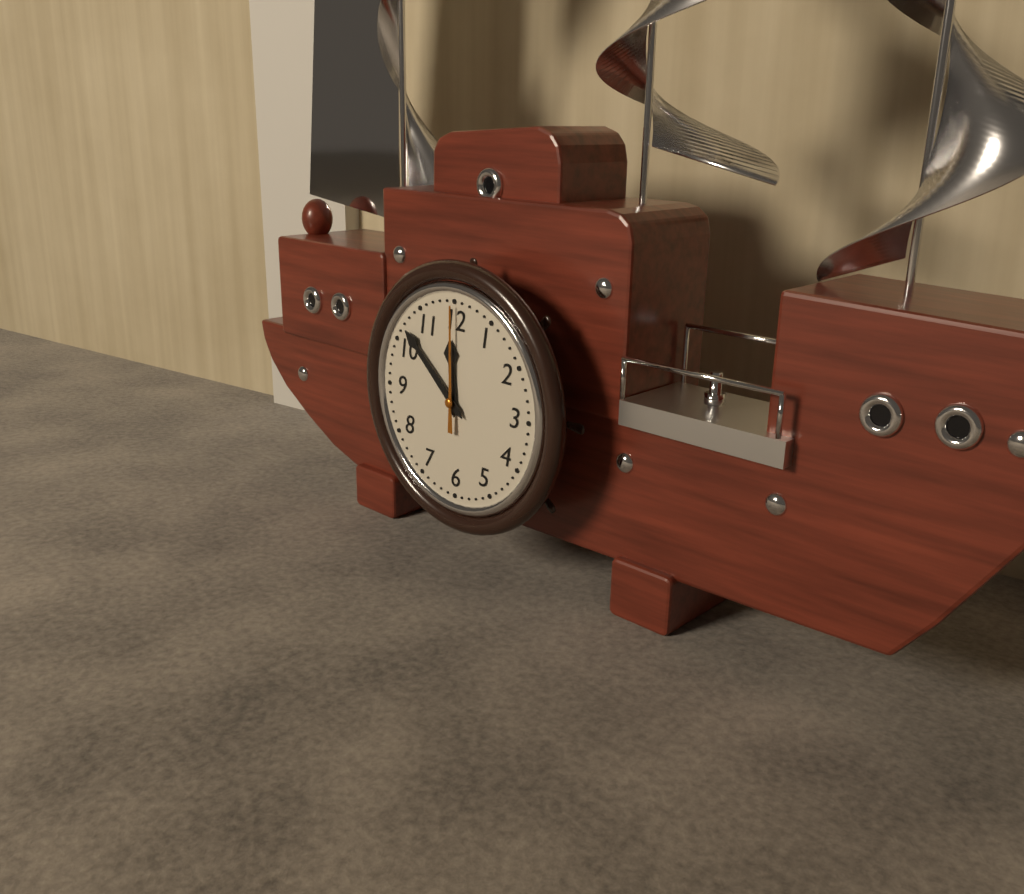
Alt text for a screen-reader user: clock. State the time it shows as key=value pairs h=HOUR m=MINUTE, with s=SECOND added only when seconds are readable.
h=11 m=52 s=0
